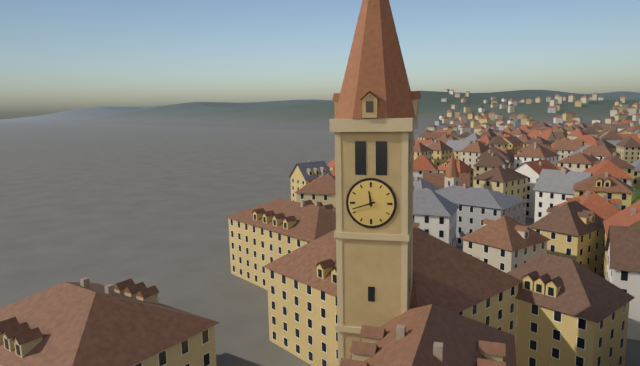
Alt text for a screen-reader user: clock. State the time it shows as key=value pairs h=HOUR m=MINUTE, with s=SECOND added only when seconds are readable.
h=11 m=42
